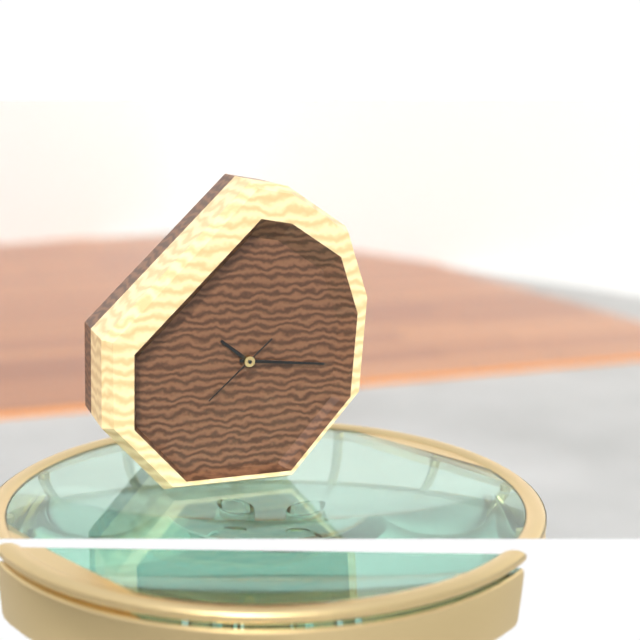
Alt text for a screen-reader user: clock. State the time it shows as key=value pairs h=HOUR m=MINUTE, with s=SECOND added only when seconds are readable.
h=10 m=16 s=38
